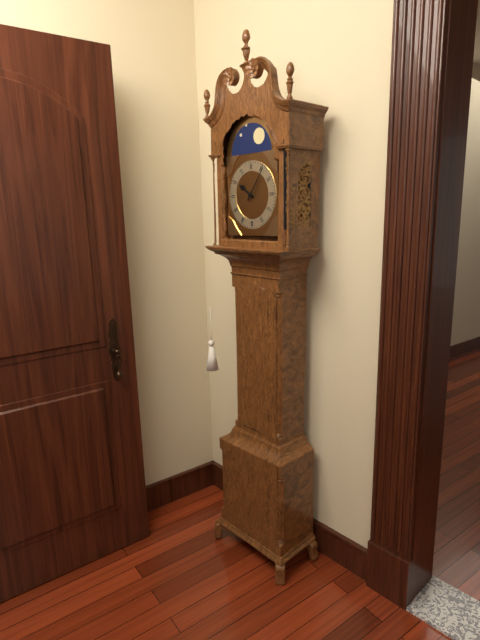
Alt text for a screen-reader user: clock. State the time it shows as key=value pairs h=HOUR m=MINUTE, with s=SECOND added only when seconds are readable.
h=10 m=6
